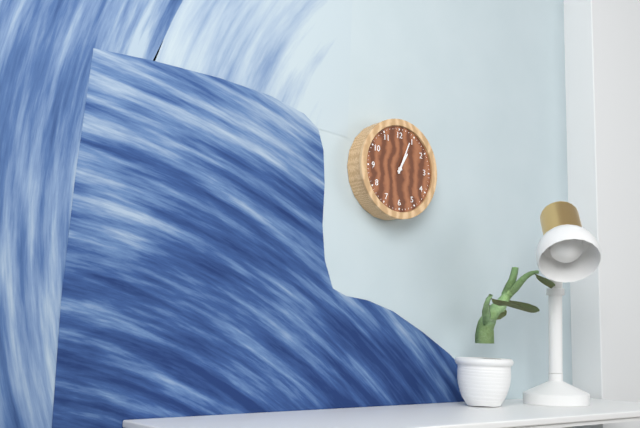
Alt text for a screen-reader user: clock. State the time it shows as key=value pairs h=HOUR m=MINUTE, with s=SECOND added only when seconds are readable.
h=1 m=4
